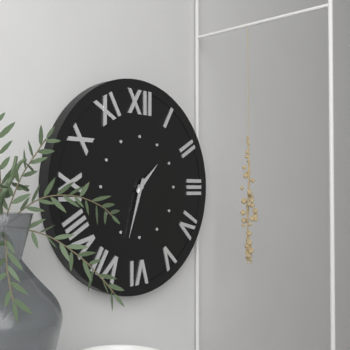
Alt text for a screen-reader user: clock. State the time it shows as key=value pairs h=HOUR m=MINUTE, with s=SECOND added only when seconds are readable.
h=1 m=33
